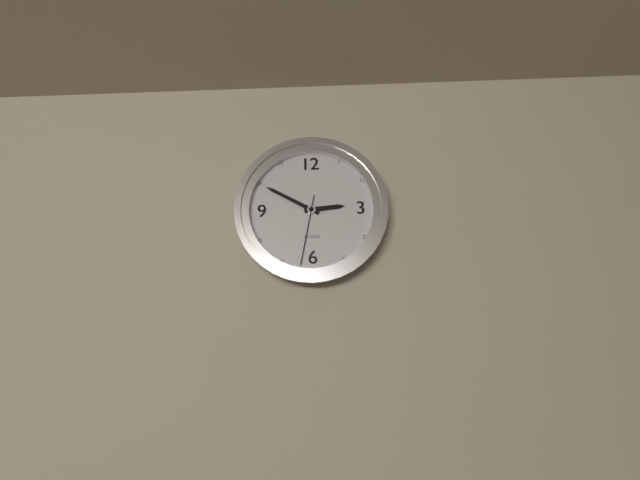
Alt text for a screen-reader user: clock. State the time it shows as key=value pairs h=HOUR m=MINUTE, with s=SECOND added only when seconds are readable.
h=2 m=50 s=32
